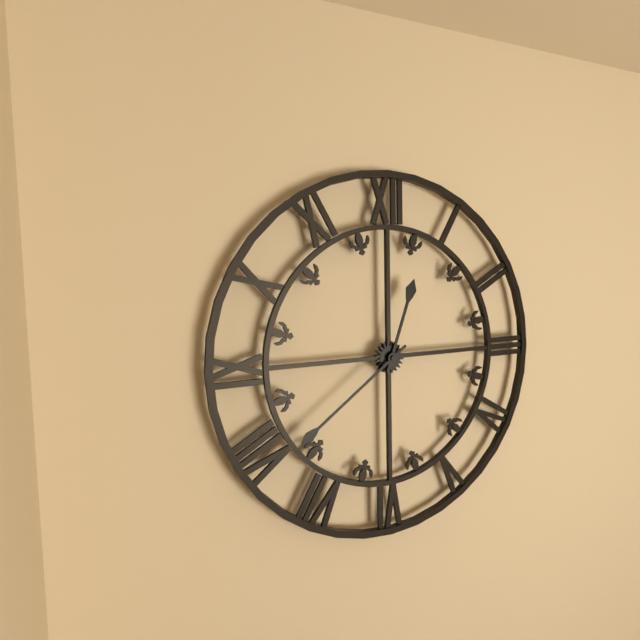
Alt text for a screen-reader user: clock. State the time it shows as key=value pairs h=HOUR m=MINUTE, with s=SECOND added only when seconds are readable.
h=12 m=39
